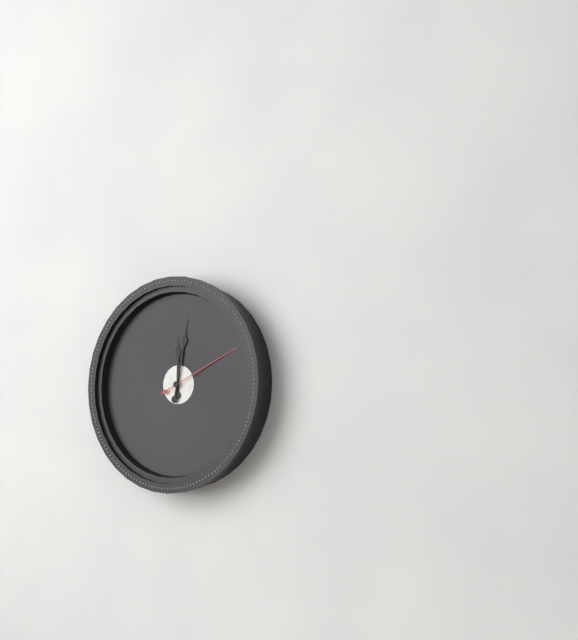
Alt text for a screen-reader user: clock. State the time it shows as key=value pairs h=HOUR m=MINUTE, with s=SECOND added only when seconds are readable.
h=12 m=2 s=11
